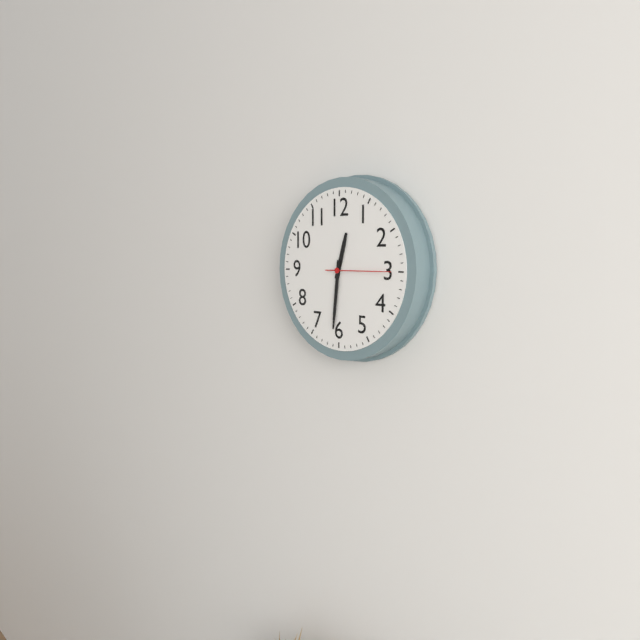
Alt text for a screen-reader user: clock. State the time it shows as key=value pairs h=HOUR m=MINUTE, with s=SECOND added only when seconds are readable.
h=12 m=31 s=15
